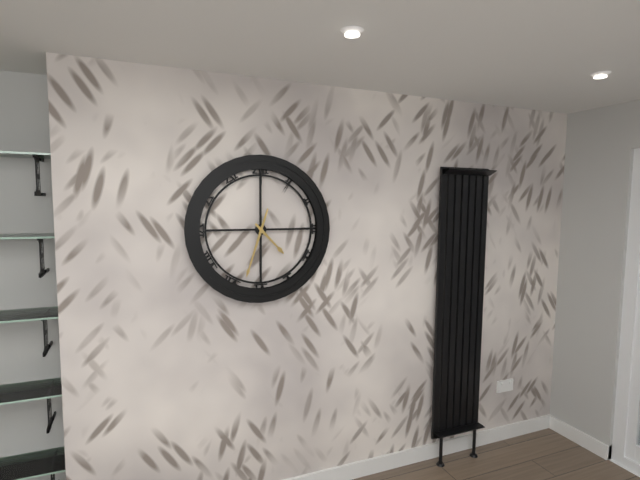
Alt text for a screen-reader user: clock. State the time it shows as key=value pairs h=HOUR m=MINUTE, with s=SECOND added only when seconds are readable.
h=4 m=33
